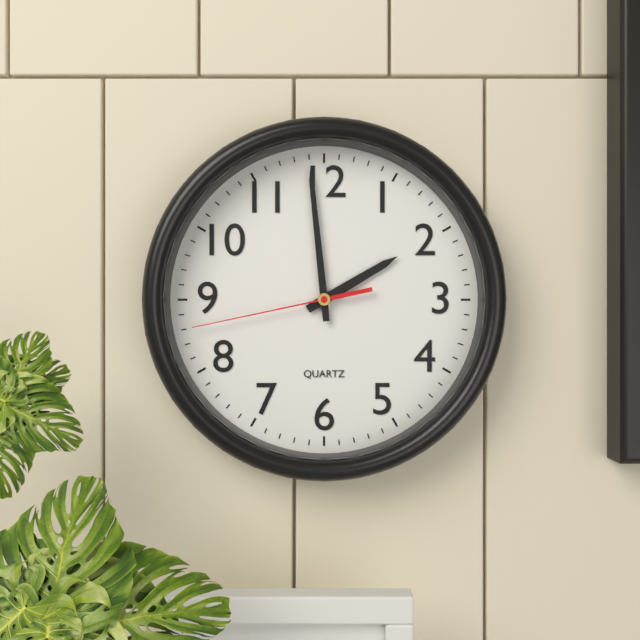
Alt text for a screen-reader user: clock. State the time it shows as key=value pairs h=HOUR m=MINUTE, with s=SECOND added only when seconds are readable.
h=1 m=59 s=43
